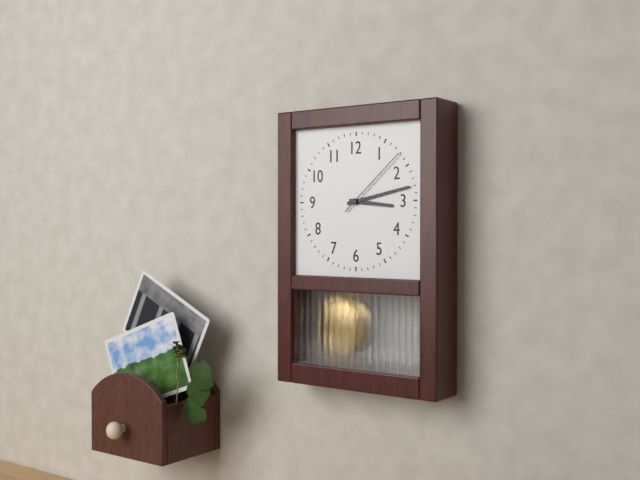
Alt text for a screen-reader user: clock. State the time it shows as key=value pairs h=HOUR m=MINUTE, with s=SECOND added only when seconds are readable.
h=3 m=13 s=8
